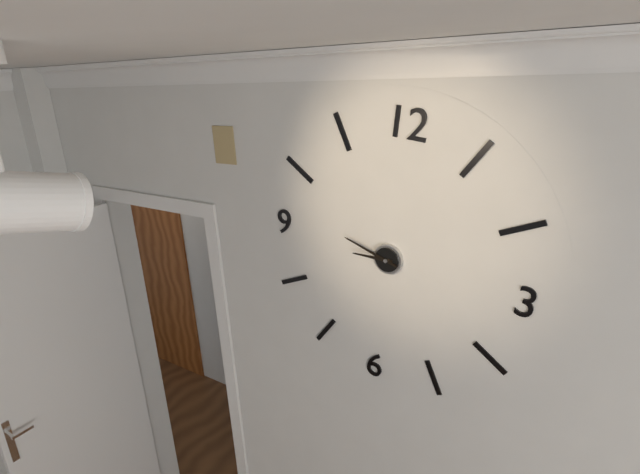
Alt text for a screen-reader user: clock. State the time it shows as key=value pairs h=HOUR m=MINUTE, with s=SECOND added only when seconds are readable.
h=8 m=47
